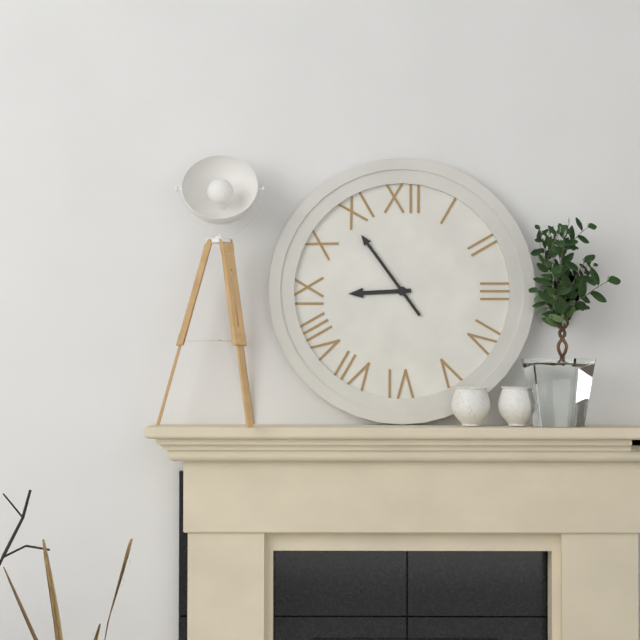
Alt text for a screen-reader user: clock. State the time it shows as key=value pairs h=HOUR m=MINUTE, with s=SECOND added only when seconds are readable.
h=8 m=54
